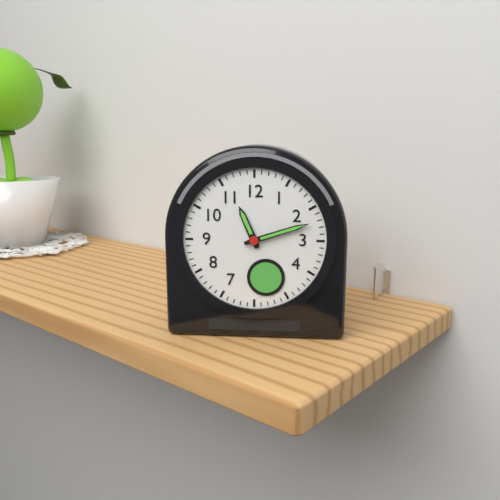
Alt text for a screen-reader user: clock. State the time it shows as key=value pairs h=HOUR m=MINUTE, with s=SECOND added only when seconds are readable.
h=11 m=12
